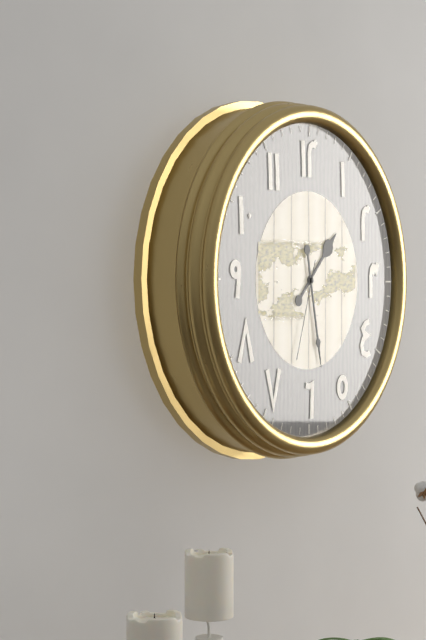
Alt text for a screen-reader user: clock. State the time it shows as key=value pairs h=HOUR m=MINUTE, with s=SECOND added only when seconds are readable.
h=1 m=28 s=33
